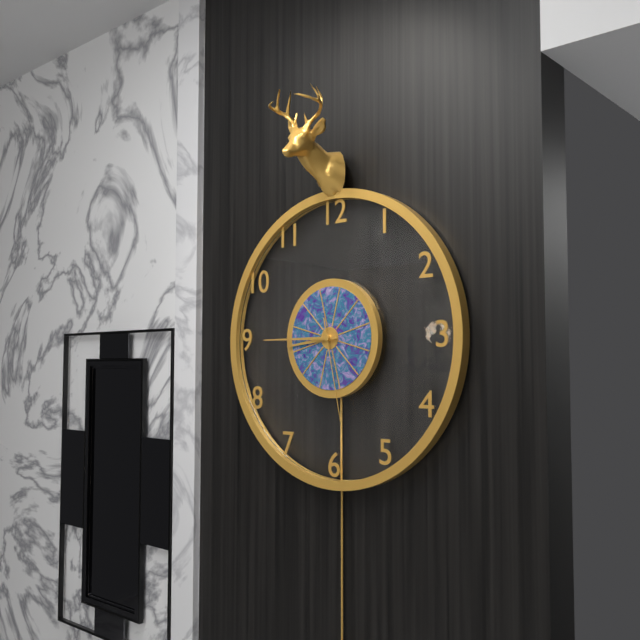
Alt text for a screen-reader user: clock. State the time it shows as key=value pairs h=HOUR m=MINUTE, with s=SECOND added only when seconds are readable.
h=8 m=45 s=28
